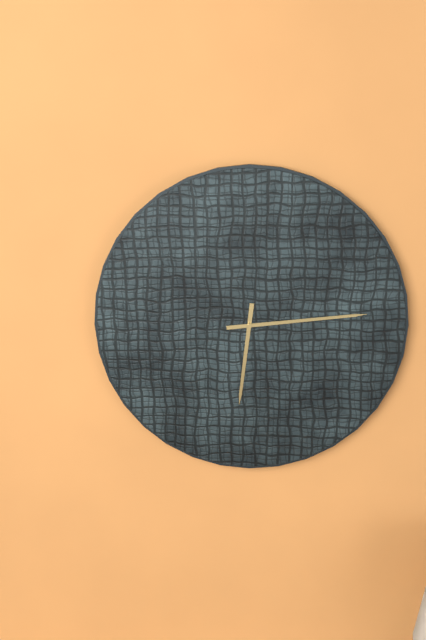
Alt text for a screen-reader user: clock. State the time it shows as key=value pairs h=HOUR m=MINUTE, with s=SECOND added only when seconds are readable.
h=6 m=14
